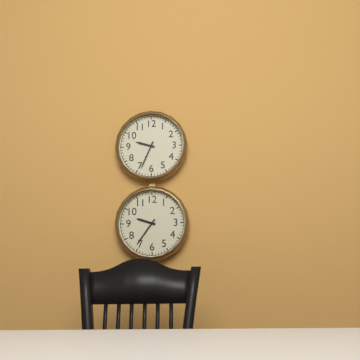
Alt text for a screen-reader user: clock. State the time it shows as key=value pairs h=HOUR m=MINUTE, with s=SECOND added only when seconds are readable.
h=9 m=34
